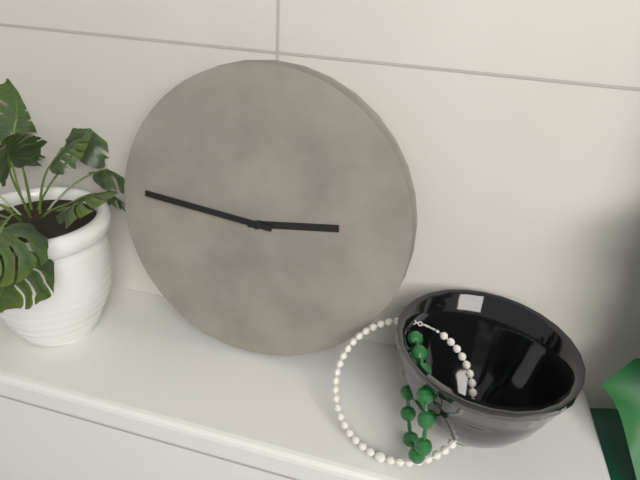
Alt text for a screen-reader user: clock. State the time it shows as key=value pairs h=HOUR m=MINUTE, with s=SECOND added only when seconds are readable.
h=2 m=46
